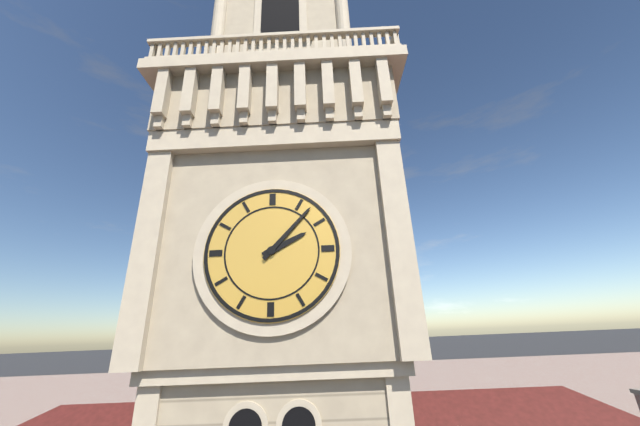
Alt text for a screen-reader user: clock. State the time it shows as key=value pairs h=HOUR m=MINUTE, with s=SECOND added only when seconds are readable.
h=2 m=7
